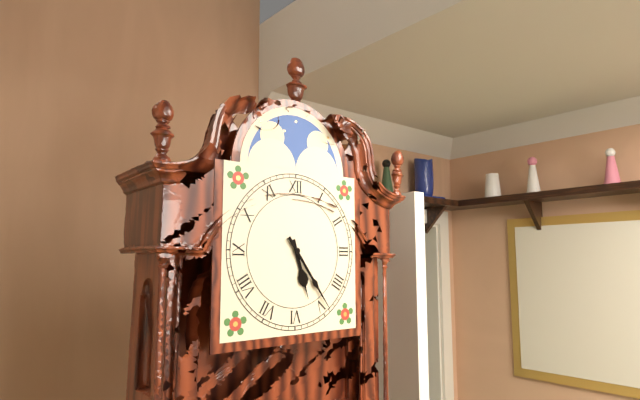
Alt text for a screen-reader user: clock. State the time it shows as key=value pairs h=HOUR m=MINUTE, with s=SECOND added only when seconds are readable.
h=5 m=24
